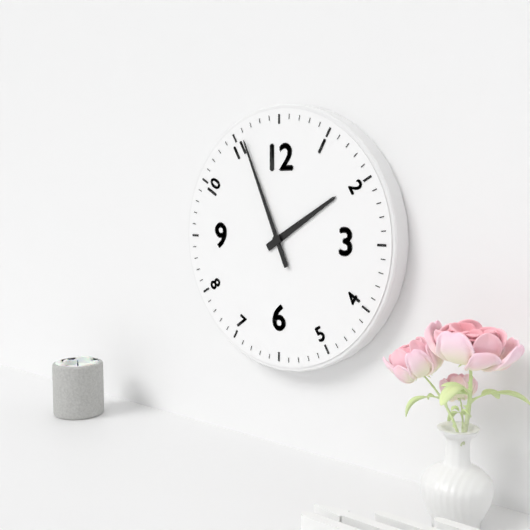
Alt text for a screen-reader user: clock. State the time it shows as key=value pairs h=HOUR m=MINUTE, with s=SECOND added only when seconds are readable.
h=1 m=56
